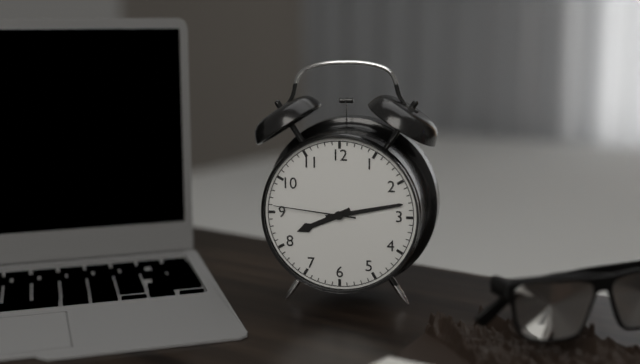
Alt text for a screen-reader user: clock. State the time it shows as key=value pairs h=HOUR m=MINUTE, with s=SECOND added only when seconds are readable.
h=8 m=13 s=46
